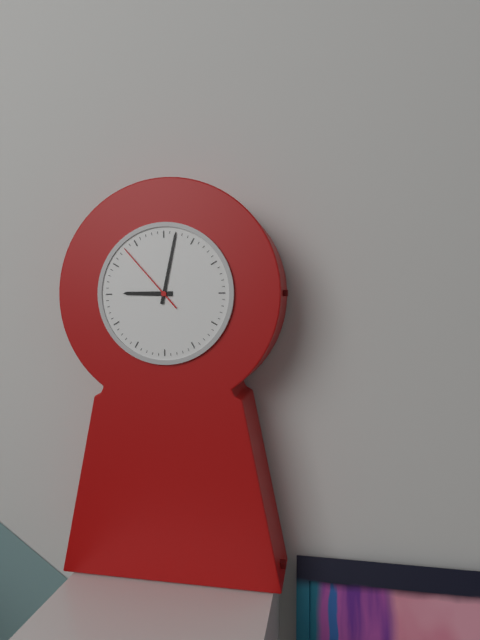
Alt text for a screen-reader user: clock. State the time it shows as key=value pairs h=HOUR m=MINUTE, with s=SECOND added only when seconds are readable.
h=9 m=2 s=53
